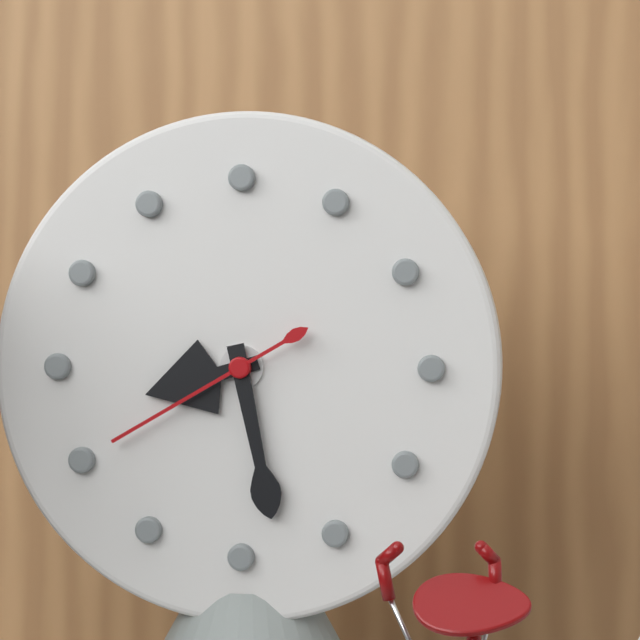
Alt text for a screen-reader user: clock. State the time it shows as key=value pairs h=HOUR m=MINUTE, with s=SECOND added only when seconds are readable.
h=8 m=28 s=40
